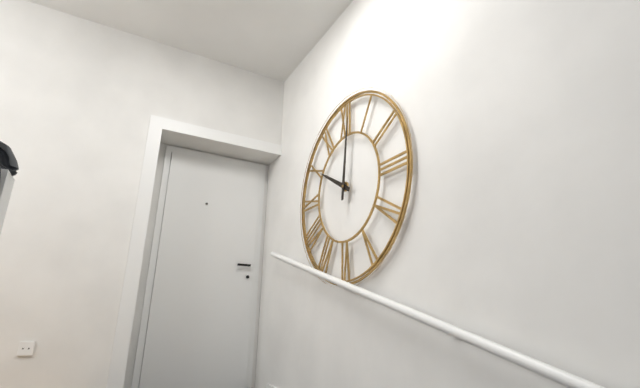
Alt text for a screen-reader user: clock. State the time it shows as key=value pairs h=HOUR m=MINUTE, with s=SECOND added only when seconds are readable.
h=10 m=1
